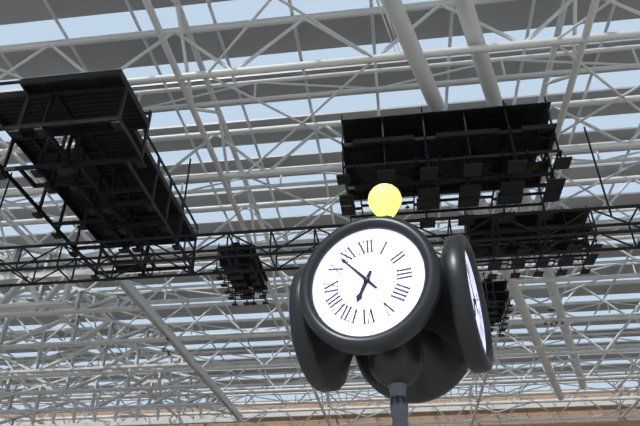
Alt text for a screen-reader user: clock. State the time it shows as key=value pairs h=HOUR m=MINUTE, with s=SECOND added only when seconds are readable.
h=6 m=53
